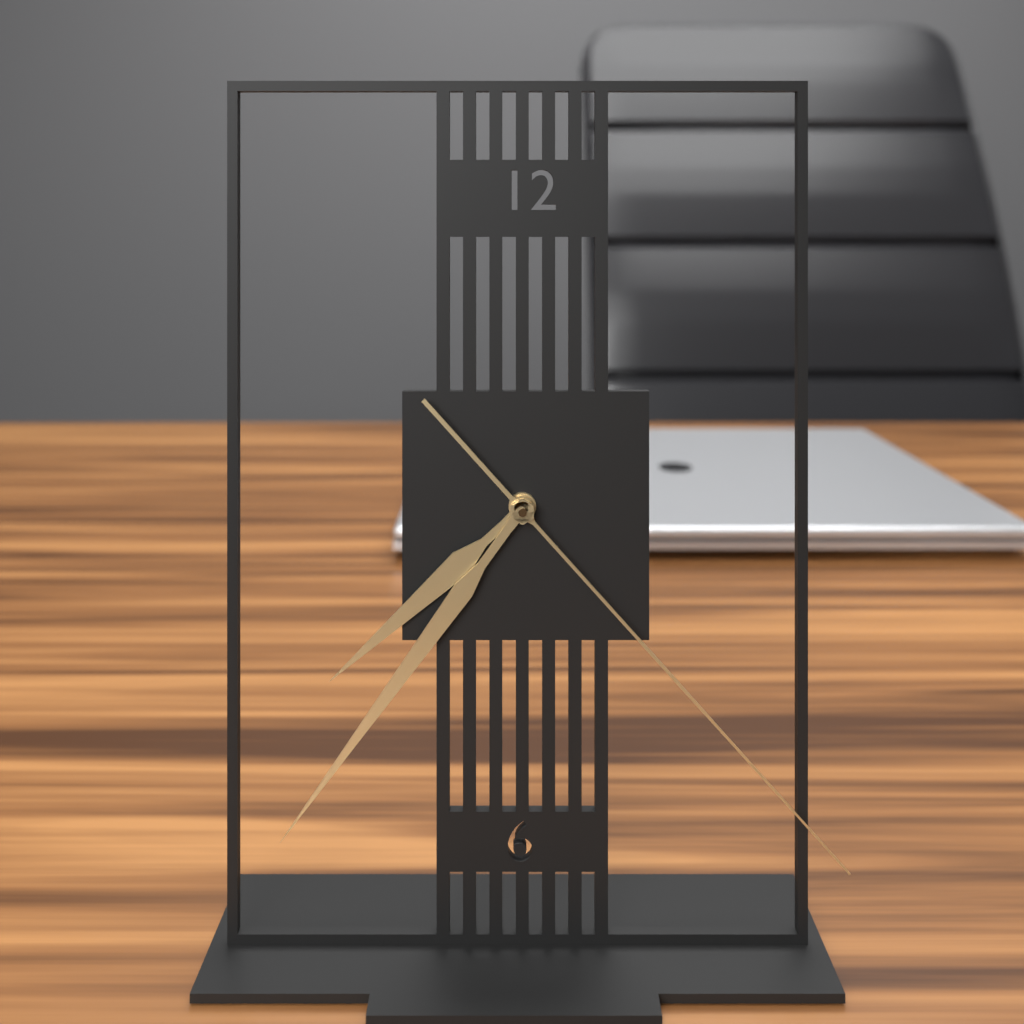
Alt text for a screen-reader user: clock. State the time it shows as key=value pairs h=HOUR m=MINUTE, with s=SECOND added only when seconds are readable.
h=7 m=36 s=23
